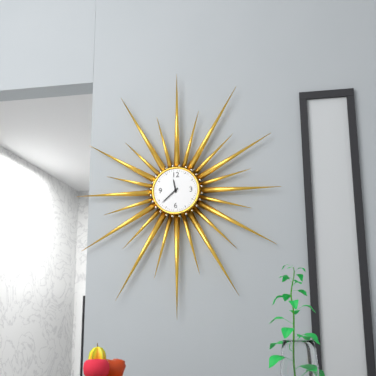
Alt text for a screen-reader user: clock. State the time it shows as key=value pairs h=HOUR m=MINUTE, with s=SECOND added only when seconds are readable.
h=11 m=38
